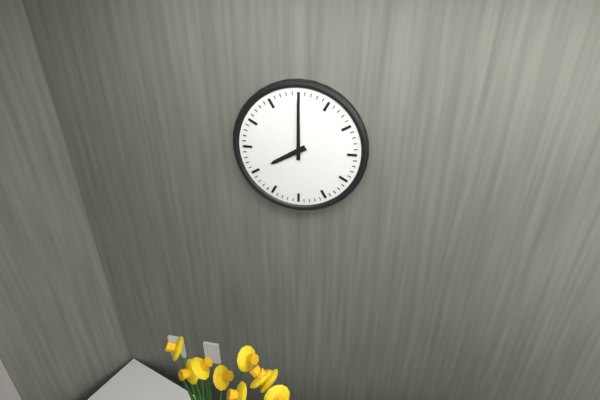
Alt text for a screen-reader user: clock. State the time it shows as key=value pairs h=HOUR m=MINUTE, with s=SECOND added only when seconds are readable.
h=8 m=0
